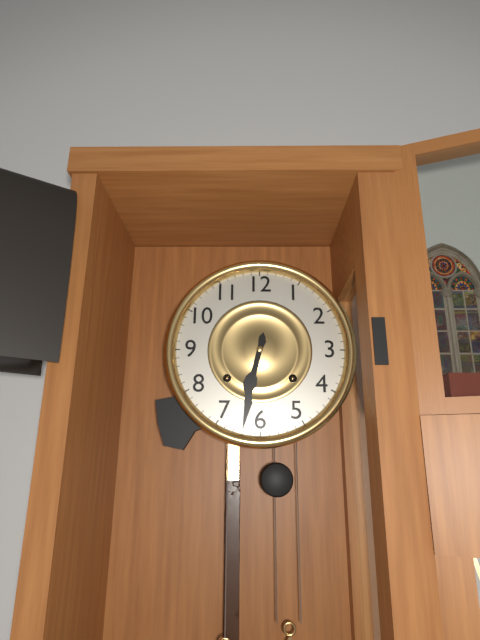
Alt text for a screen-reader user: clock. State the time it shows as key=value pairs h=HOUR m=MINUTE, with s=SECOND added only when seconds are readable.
h=6 m=32
